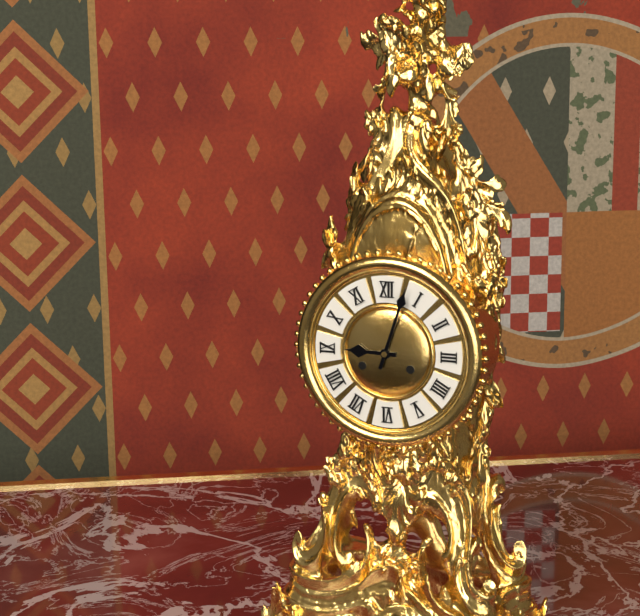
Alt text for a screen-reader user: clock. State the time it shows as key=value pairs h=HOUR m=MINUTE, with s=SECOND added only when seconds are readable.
h=9 m=3
